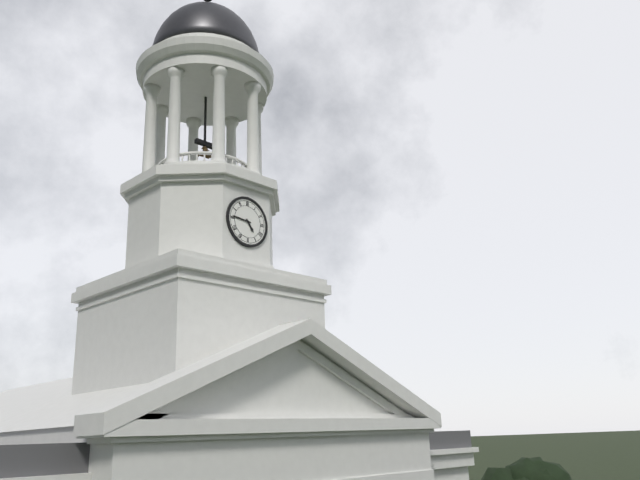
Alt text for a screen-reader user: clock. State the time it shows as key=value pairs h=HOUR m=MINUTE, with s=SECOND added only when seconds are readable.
h=4 m=46
